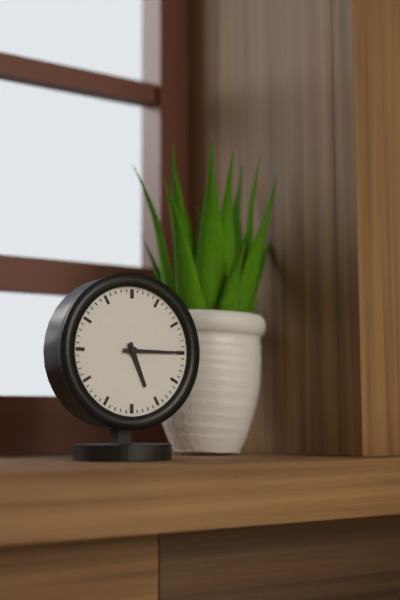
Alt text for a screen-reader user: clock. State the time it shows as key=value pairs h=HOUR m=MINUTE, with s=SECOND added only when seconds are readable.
h=5 m=15
